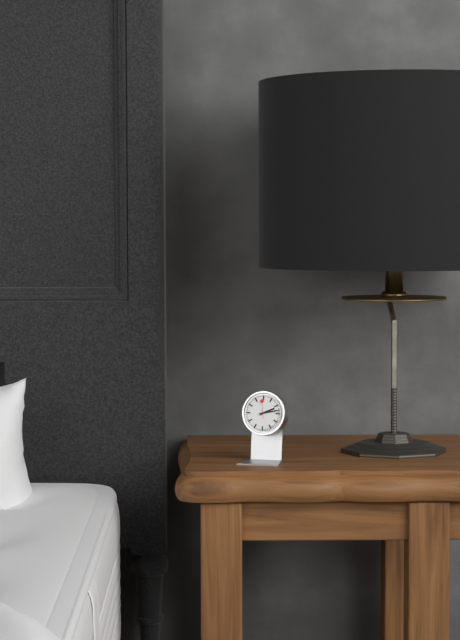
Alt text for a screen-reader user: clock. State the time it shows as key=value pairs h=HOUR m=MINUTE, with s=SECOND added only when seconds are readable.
h=2 m=13
